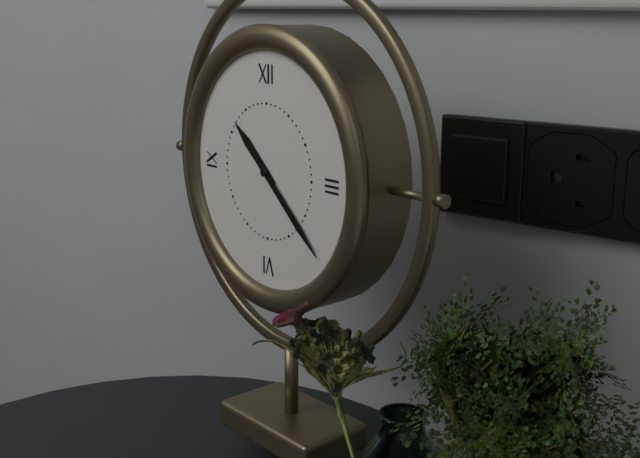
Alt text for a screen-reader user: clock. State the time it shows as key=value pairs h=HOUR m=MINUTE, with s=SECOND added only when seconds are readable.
h=10 m=22
